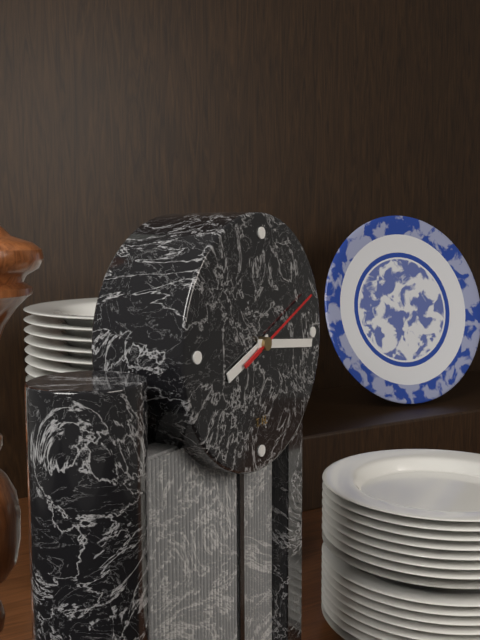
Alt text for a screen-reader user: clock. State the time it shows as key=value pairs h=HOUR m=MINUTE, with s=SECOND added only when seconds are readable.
h=8 m=16 s=11
